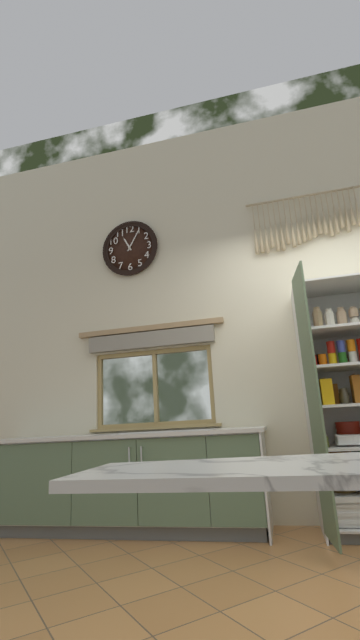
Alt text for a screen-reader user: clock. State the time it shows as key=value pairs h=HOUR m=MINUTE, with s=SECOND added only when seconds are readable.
h=11 m=5
